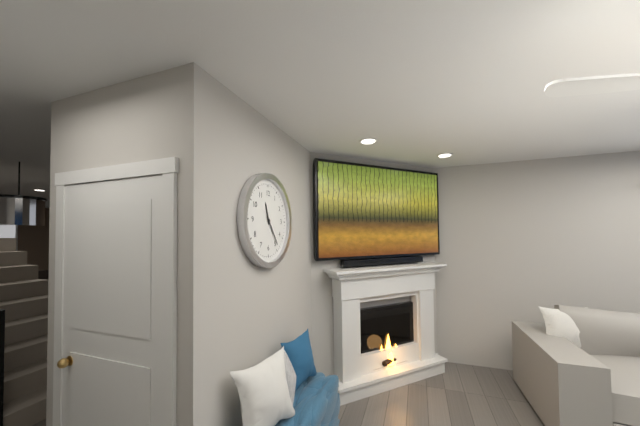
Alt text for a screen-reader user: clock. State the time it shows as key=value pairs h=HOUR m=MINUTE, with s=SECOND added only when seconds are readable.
h=11 m=24
